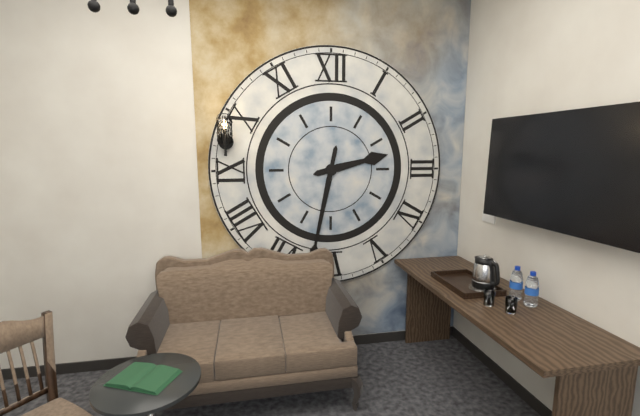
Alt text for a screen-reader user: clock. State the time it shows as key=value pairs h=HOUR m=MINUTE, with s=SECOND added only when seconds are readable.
h=2 m=32
